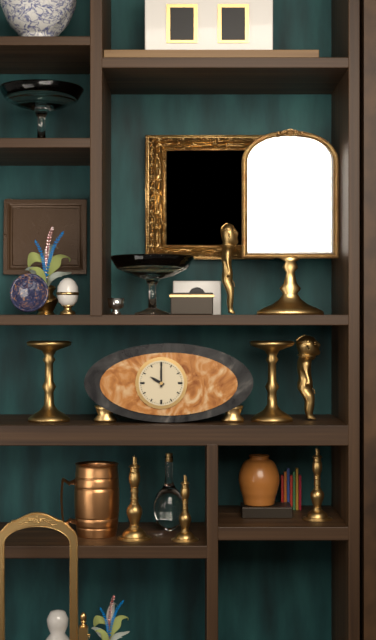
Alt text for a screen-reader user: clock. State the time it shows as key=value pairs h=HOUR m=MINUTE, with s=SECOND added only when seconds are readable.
h=10 m=0
